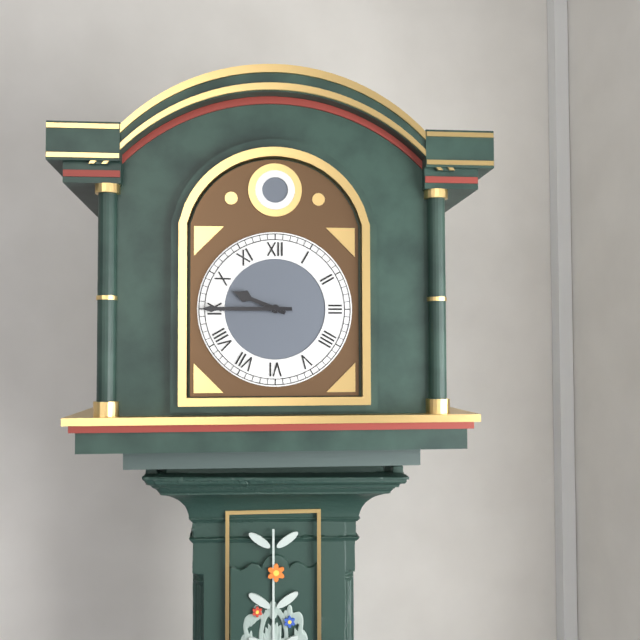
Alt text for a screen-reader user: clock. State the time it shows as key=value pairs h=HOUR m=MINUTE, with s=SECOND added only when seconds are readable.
h=9 m=45
